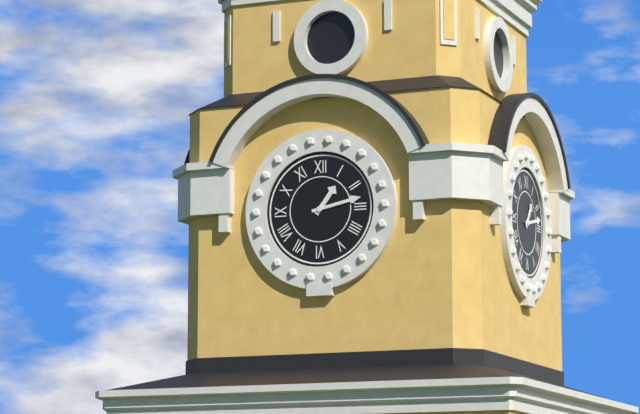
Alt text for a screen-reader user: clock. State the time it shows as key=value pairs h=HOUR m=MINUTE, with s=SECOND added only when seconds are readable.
h=1 m=13
